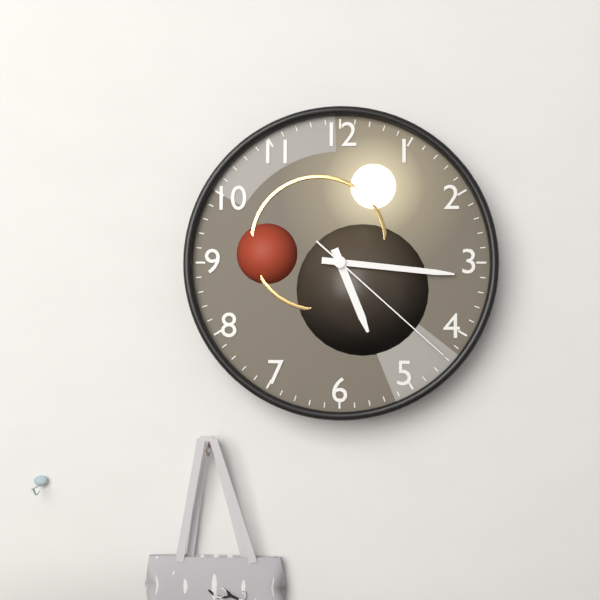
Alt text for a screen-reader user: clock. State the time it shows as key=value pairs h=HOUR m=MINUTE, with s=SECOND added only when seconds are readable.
h=5 m=16 s=22
